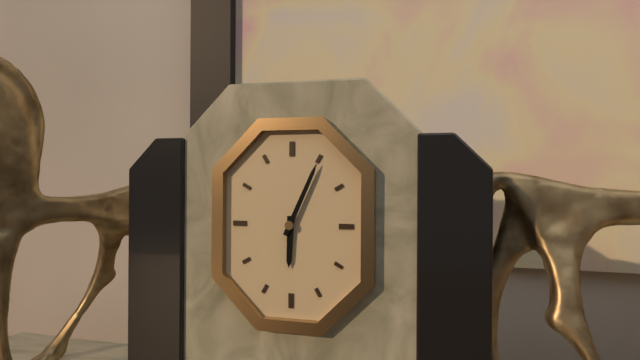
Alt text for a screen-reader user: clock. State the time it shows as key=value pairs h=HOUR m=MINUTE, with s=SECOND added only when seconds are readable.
h=6 m=4
